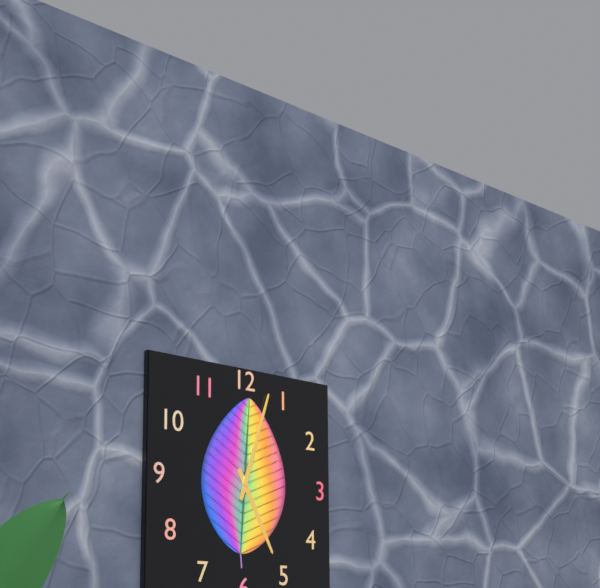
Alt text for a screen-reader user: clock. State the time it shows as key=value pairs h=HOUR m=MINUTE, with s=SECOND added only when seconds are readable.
h=5 m=3
